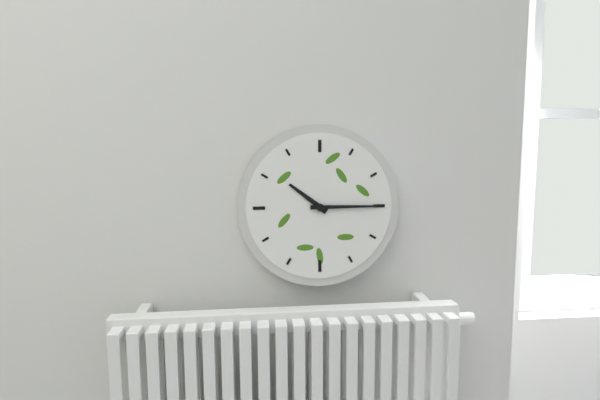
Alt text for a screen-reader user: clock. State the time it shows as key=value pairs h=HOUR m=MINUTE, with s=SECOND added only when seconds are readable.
h=10 m=15
